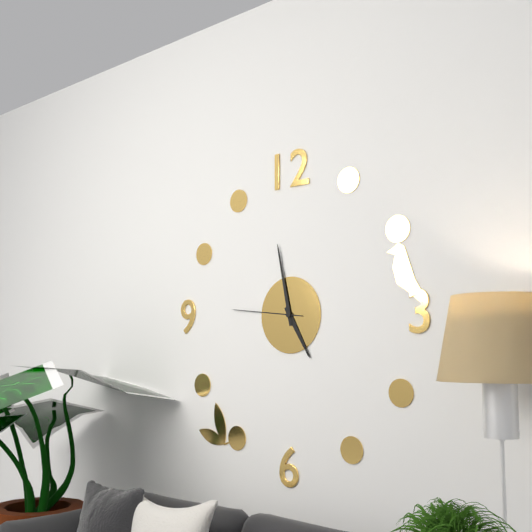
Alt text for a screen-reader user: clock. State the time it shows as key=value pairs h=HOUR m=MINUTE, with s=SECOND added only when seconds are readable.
h=4 m=58 s=46
